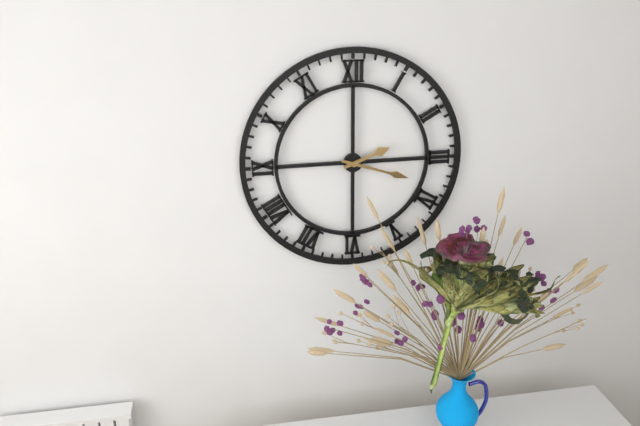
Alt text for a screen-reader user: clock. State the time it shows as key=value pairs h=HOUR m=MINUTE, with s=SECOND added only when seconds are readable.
h=2 m=18
